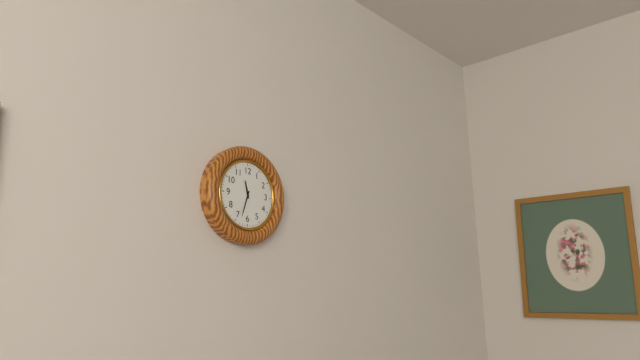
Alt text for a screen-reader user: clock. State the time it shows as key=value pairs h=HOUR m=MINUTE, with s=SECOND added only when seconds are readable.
h=11 m=33
